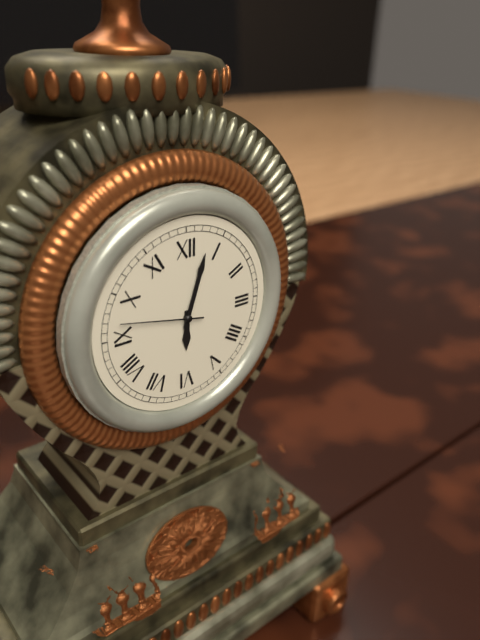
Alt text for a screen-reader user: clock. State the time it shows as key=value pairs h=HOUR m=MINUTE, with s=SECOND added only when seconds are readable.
h=6 m=3 s=47
